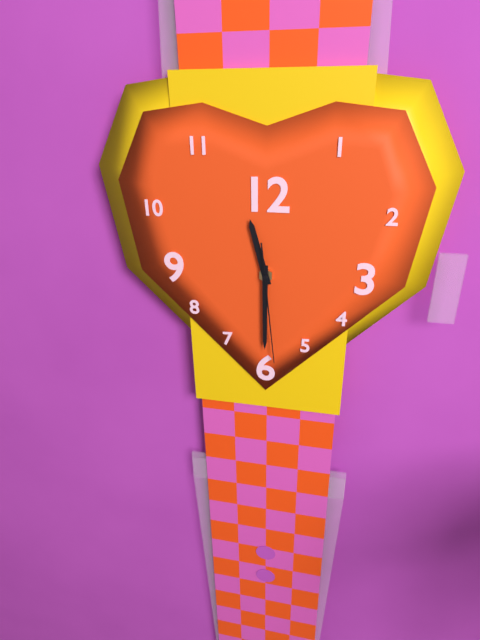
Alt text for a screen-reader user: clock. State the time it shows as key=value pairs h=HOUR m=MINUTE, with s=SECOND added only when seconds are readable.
h=11 m=30 s=29
